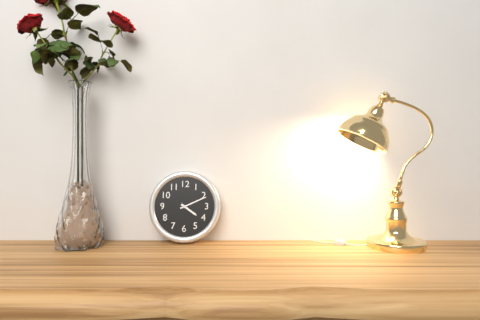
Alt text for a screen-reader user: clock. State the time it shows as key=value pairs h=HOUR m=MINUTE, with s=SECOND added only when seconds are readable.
h=4 m=11
